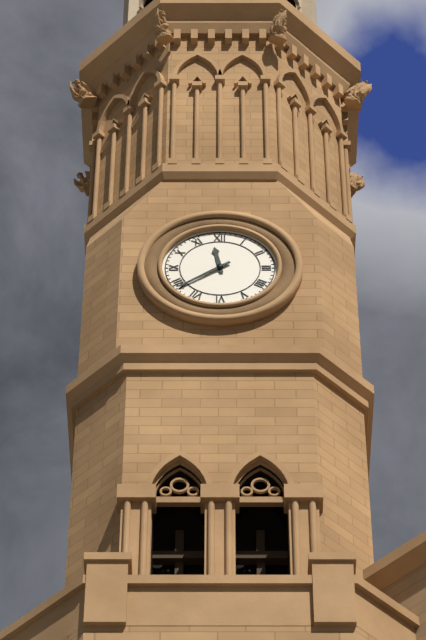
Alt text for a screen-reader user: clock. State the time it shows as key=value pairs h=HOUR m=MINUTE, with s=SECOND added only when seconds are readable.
h=11 m=39
